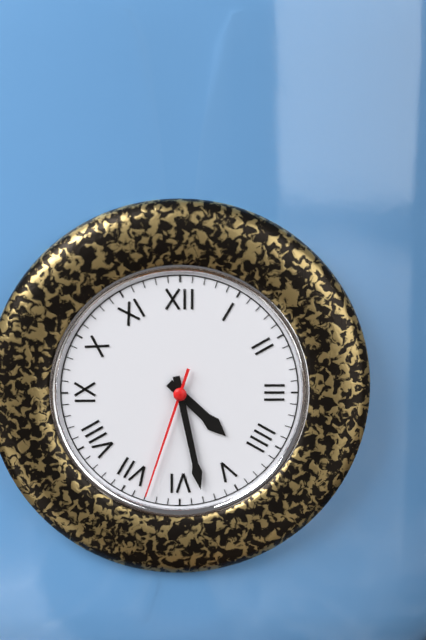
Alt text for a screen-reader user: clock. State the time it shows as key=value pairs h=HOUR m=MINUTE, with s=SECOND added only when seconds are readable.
h=4 m=28 s=33
